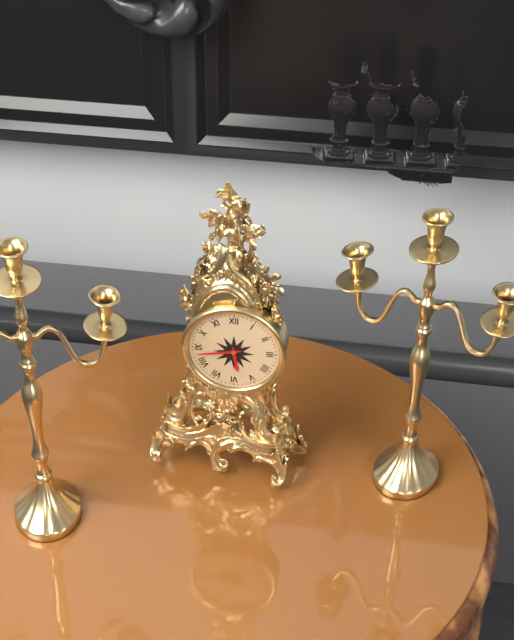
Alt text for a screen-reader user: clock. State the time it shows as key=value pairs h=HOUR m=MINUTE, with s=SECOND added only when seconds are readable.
h=5 m=43
